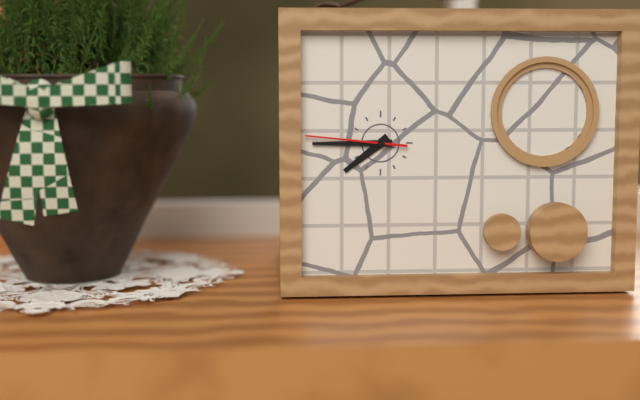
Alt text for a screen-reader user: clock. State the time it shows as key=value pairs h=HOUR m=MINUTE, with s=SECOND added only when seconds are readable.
h=7 m=45 s=46
